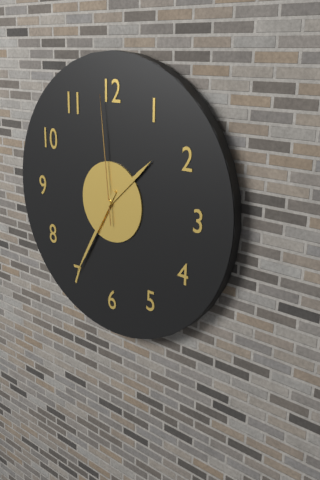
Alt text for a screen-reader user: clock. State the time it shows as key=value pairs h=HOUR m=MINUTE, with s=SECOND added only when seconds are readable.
h=1 m=35 s=59
